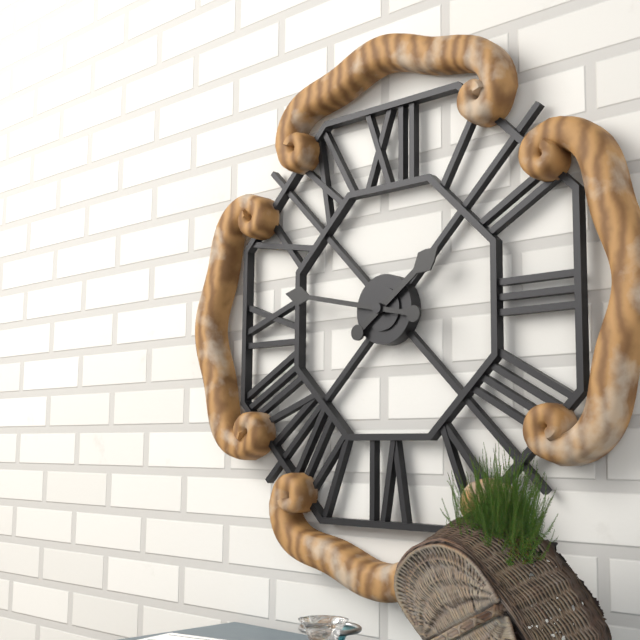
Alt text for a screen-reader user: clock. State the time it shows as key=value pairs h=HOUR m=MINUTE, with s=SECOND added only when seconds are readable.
h=1 m=47
